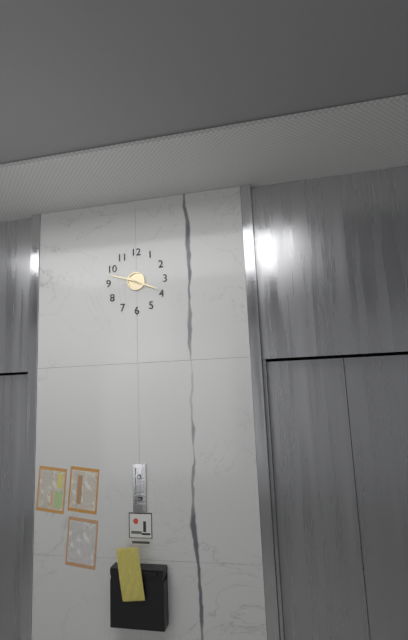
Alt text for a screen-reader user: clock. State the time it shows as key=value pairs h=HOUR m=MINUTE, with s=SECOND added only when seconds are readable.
h=3 m=48
